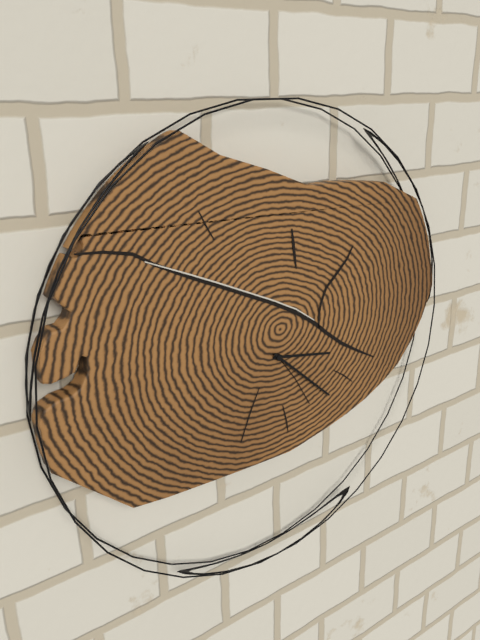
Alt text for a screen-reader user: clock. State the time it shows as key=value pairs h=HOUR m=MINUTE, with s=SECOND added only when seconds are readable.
h=3 m=22
